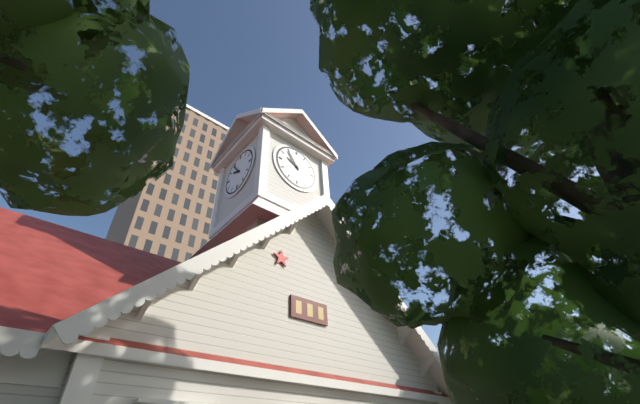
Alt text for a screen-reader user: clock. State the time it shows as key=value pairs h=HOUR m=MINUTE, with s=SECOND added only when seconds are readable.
h=9 m=54
